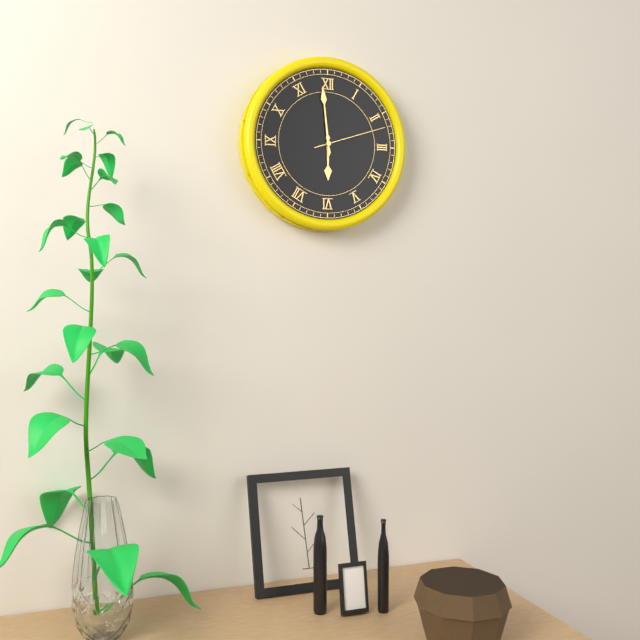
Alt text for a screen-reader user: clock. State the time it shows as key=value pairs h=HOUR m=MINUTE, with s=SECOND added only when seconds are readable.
h=5 m=59 s=12
